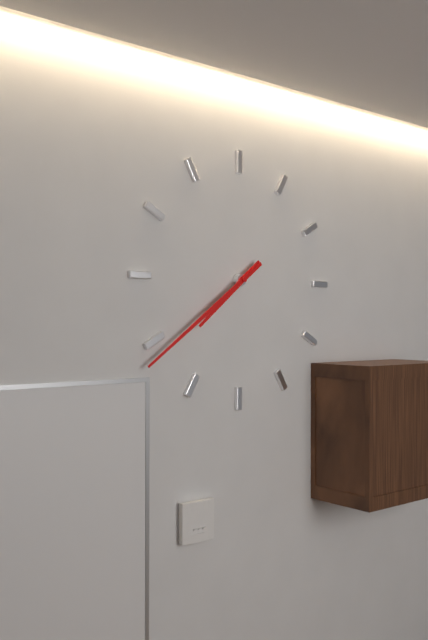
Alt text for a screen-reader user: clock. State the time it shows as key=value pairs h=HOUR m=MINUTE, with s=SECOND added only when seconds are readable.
h=7 m=39
